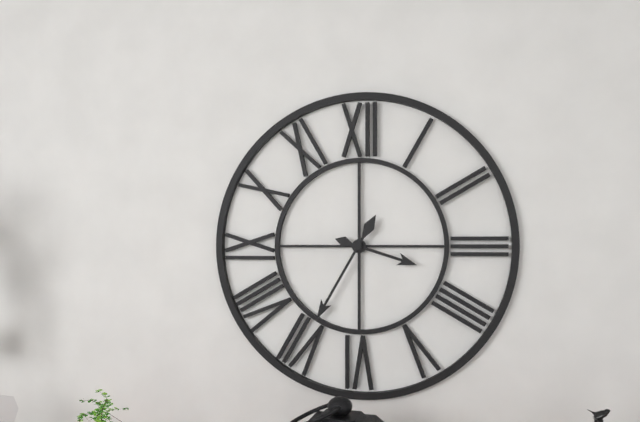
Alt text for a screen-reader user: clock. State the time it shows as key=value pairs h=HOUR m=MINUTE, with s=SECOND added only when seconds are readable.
h=3 m=35
